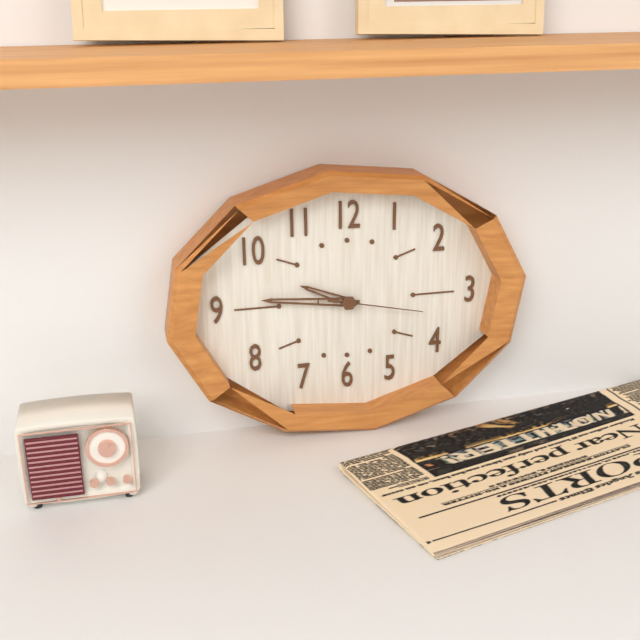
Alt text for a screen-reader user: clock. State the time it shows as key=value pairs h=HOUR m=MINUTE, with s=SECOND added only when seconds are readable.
h=9 m=46 s=17
